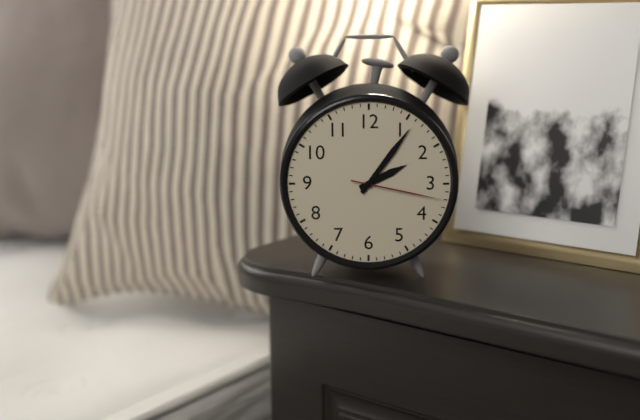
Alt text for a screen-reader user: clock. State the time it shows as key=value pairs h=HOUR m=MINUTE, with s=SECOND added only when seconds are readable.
h=2 m=6 s=17
